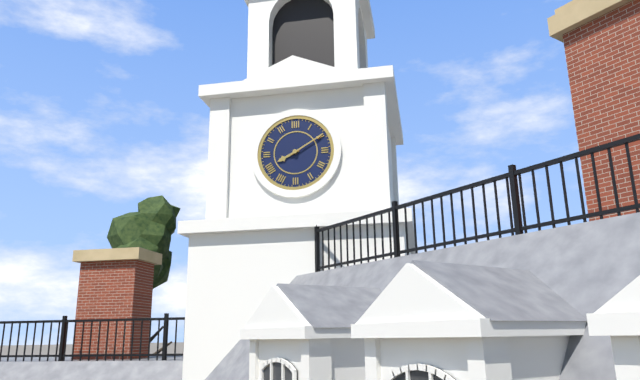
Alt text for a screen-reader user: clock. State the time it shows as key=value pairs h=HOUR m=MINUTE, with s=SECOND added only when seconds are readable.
h=8 m=10
